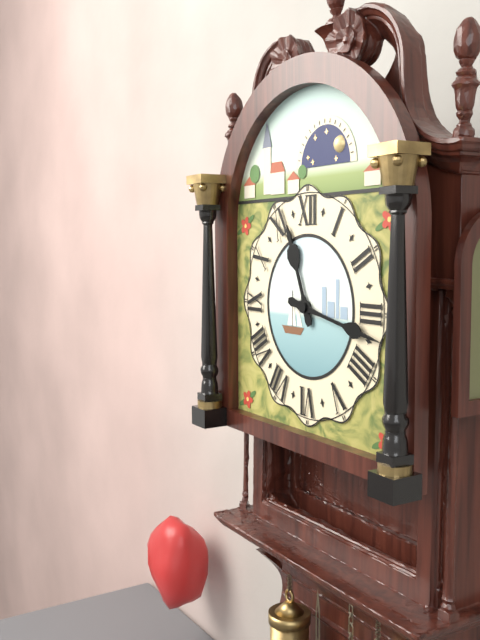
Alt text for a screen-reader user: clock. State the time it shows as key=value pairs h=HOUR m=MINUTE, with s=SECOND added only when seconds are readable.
h=11 m=17
